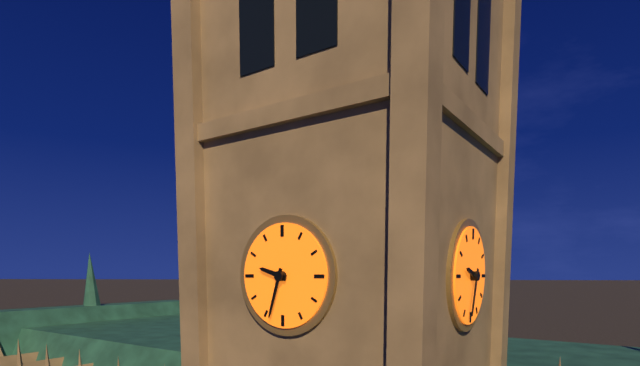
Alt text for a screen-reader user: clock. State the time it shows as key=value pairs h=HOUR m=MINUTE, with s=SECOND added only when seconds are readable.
h=9 m=33
